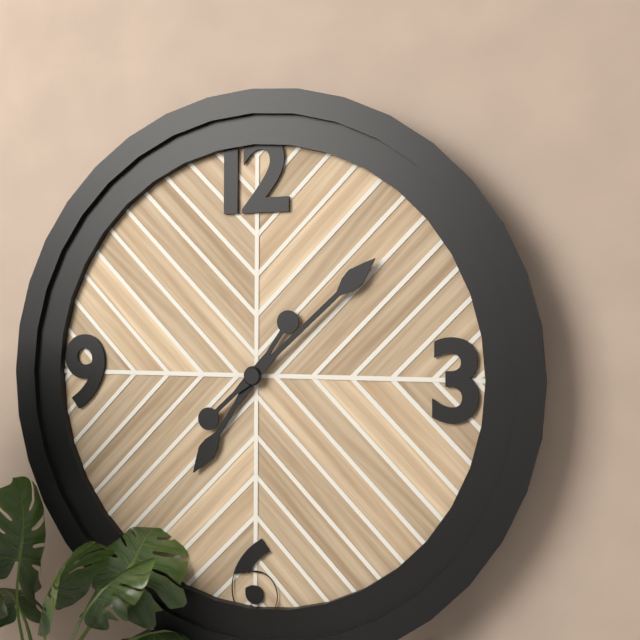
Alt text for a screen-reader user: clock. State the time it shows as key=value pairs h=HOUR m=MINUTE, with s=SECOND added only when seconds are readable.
h=7 m=8
